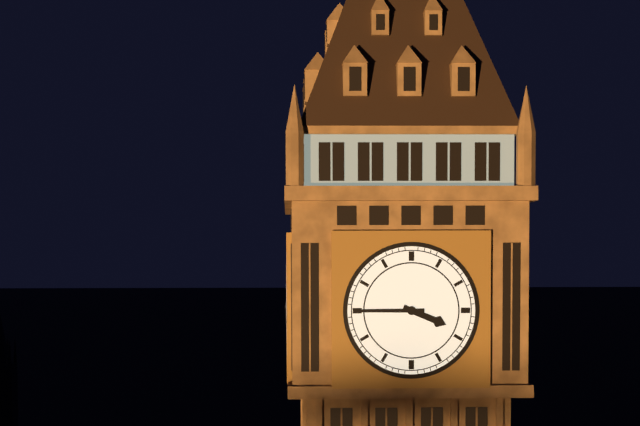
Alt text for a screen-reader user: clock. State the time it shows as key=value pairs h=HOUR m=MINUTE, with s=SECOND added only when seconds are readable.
h=3 m=45
